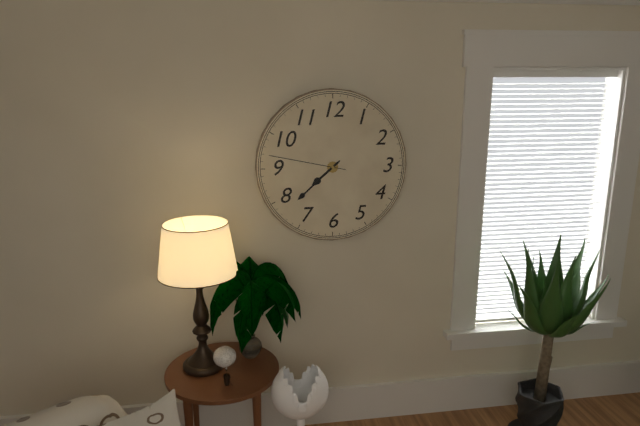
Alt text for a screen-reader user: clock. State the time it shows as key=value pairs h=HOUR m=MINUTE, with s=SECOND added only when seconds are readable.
h=7 m=38 s=47
